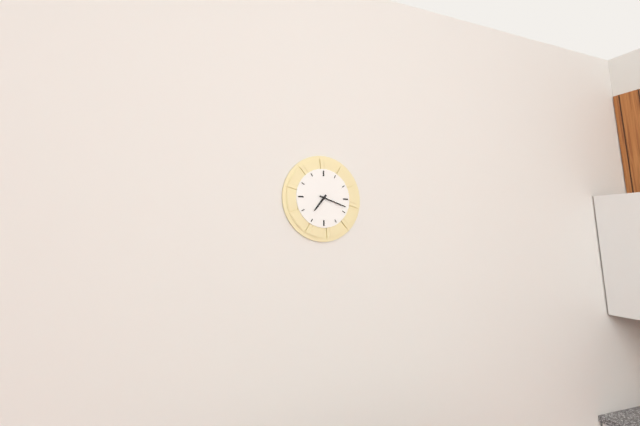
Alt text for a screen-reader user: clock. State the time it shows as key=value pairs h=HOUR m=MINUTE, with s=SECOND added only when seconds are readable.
h=7 m=18
